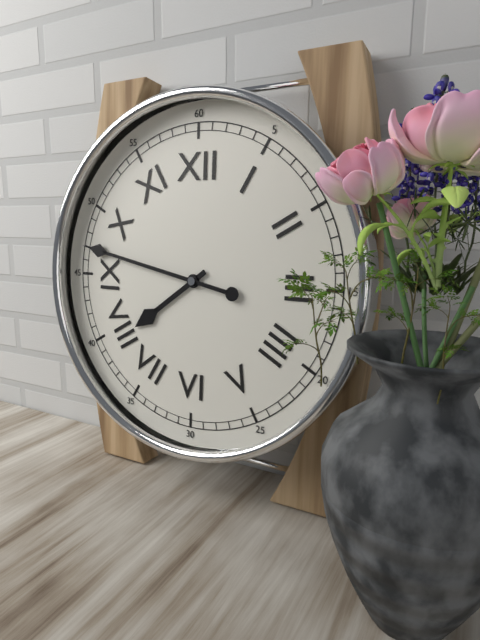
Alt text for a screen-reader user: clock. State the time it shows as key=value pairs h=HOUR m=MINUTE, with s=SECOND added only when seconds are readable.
h=7 m=47
